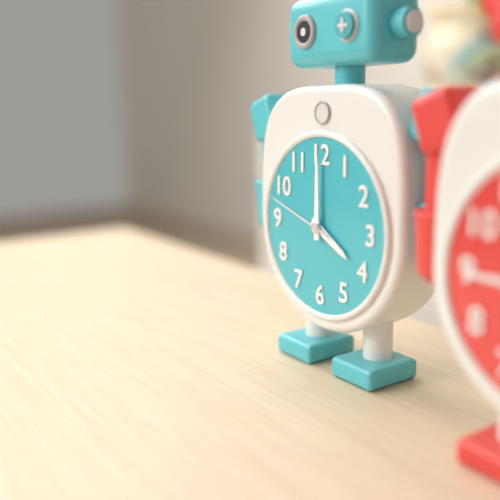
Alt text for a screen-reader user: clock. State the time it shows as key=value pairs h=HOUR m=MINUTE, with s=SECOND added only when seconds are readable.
h=4 m=0 s=48
